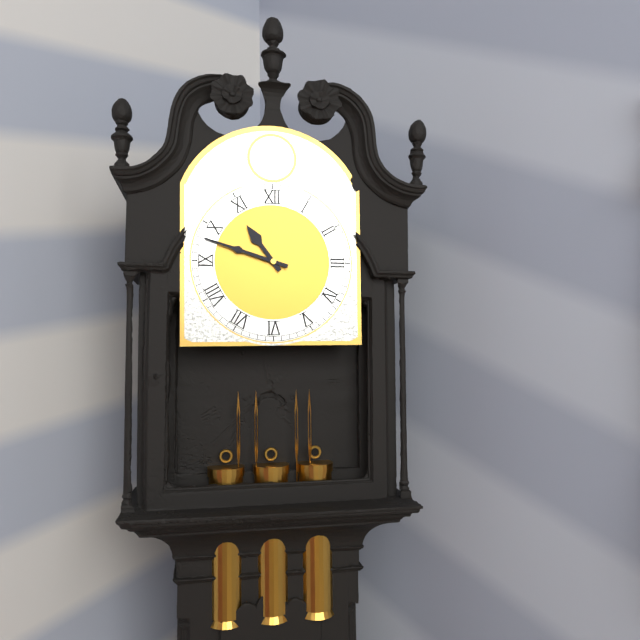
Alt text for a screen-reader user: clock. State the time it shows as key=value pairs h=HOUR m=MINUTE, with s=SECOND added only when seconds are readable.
h=10 m=48
